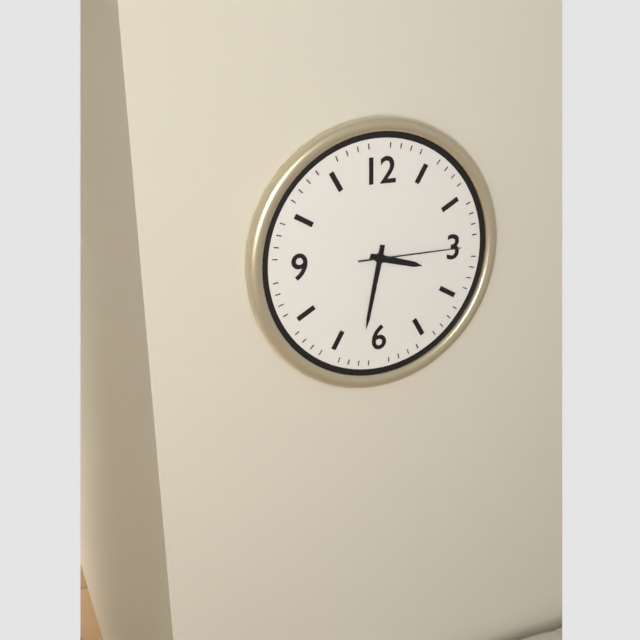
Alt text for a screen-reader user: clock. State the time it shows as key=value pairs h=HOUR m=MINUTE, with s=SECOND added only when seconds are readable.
h=3 m=32 s=15
